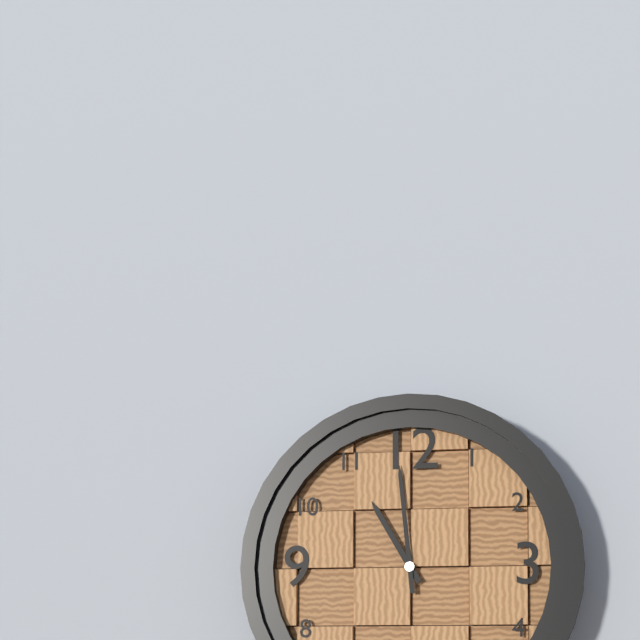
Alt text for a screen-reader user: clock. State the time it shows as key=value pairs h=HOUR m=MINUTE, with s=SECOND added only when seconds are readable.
h=10 m=59
